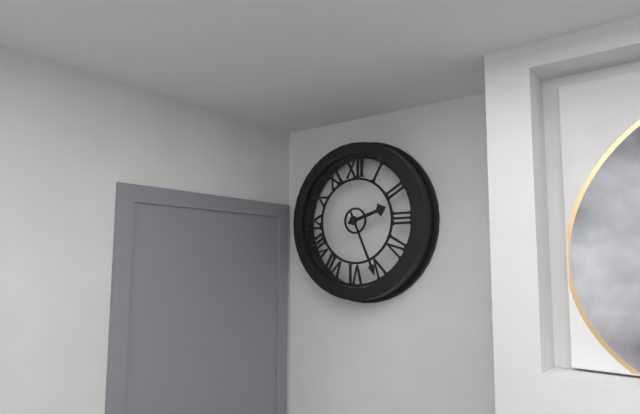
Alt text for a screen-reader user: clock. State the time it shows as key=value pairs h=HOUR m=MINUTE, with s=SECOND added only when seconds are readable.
h=2 m=26
